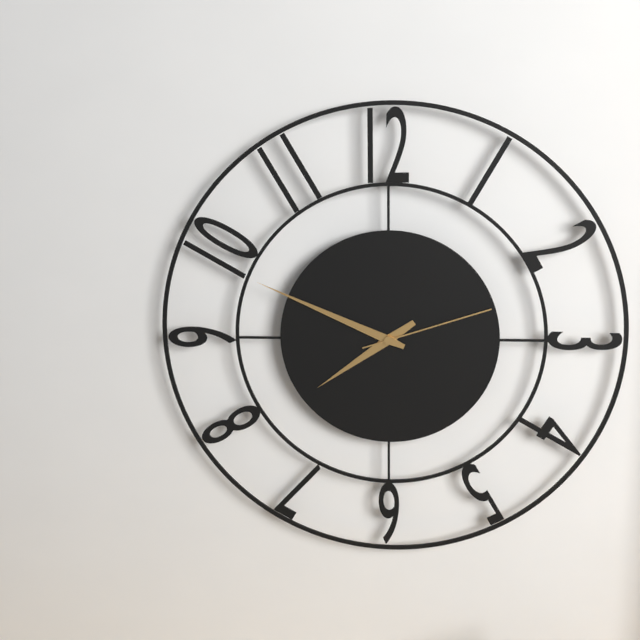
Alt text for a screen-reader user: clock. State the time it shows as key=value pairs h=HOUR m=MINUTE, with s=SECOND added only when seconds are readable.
h=7 m=49 s=12
